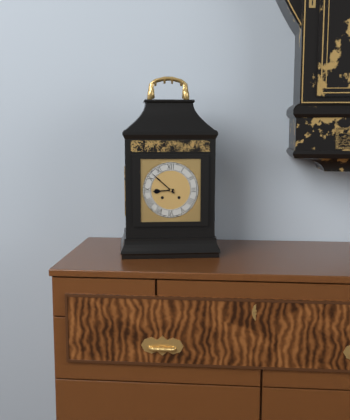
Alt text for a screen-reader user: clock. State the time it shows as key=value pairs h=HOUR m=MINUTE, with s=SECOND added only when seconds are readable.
h=8 m=52
